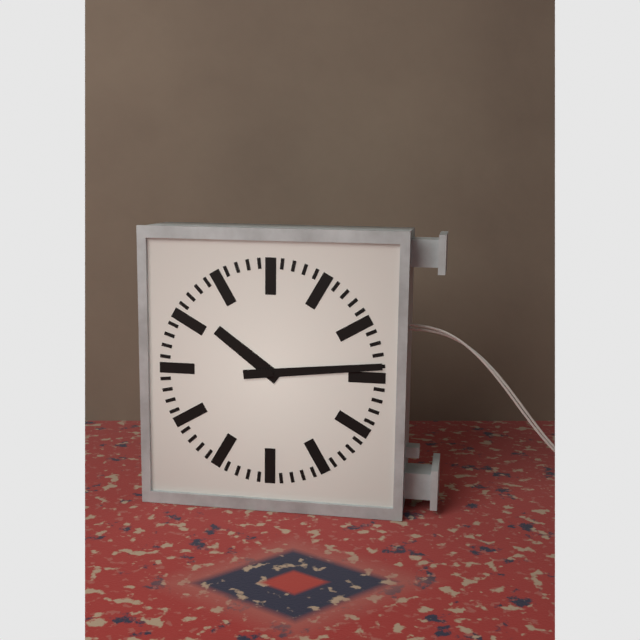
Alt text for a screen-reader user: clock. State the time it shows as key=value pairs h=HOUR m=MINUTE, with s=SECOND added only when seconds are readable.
h=10 m=14
